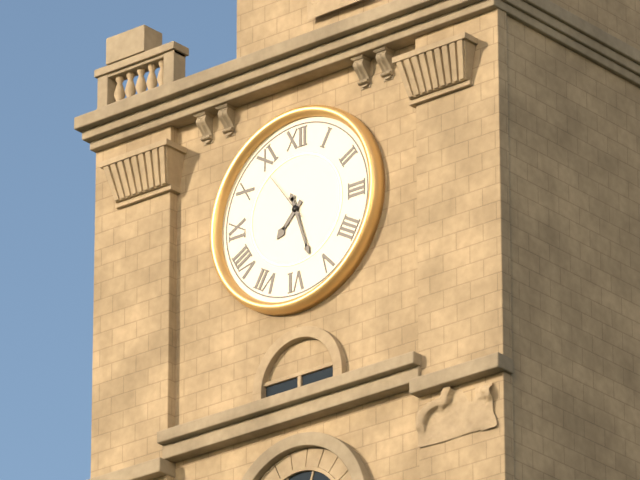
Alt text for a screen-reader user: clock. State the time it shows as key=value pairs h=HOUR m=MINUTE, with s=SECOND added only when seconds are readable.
h=7 m=27 s=54
